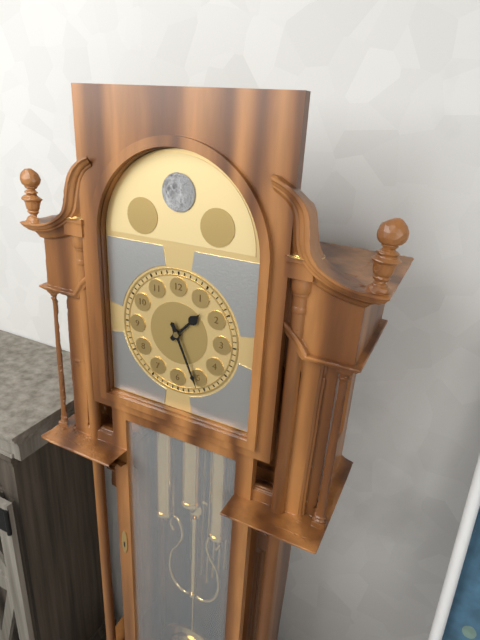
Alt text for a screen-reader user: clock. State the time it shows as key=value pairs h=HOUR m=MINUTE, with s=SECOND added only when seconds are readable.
h=1 m=26
